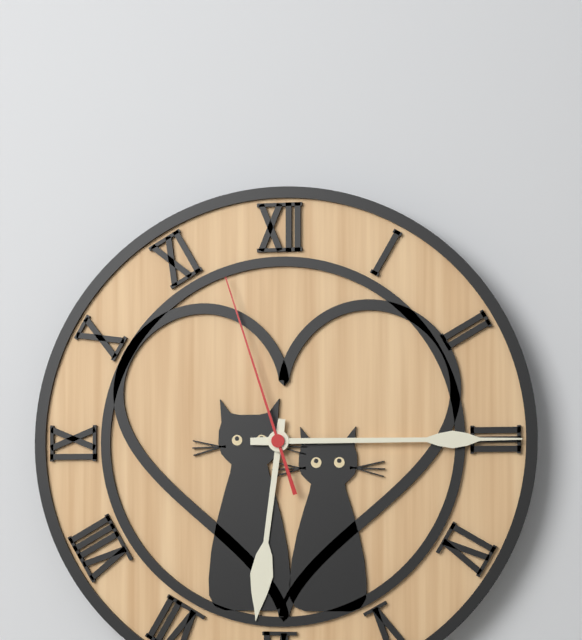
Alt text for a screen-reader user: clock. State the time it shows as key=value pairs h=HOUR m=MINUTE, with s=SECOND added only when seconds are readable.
h=6 m=15 s=57
